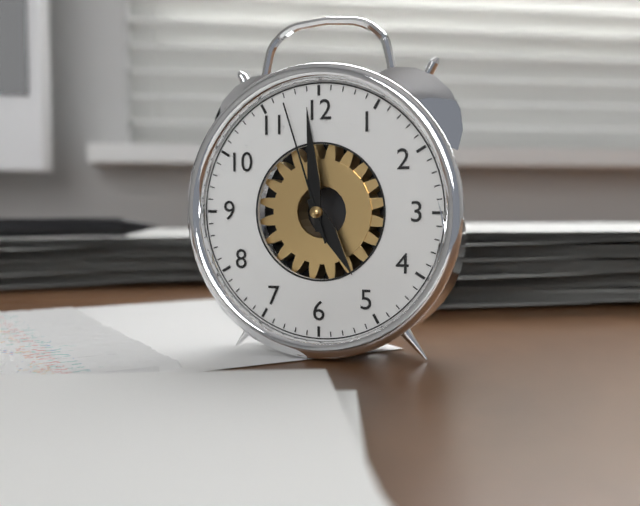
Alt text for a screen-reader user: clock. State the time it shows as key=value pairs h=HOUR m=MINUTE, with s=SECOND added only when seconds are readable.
h=4 m=59 s=57
